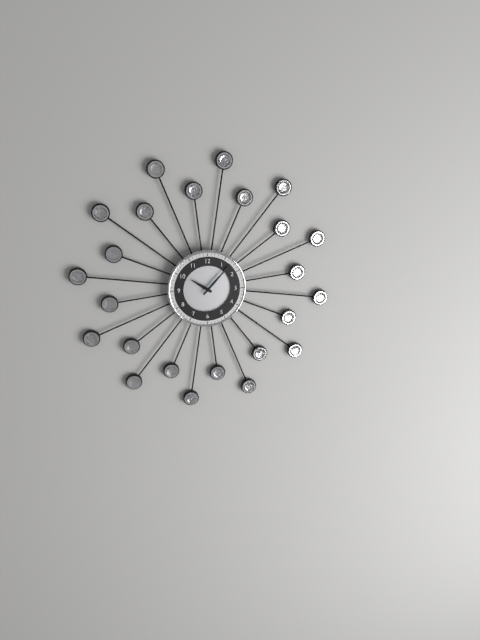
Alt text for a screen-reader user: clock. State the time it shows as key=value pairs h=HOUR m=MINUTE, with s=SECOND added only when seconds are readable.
h=10 m=7
